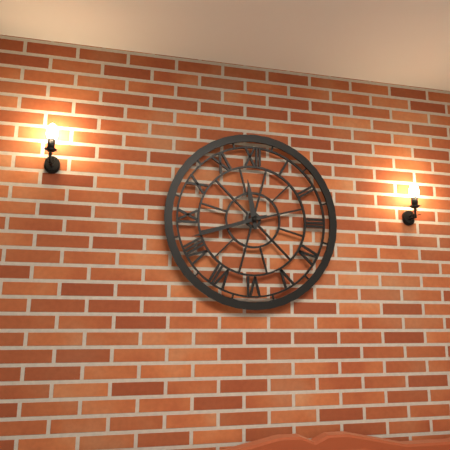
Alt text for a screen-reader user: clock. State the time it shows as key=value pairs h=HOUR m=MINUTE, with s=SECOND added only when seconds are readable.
h=11 m=42
